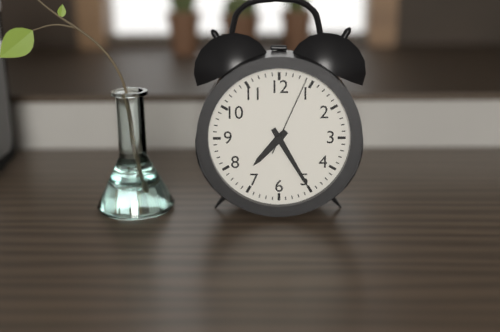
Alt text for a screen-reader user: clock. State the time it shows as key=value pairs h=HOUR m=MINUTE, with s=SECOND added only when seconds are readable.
h=7 m=25 s=4
